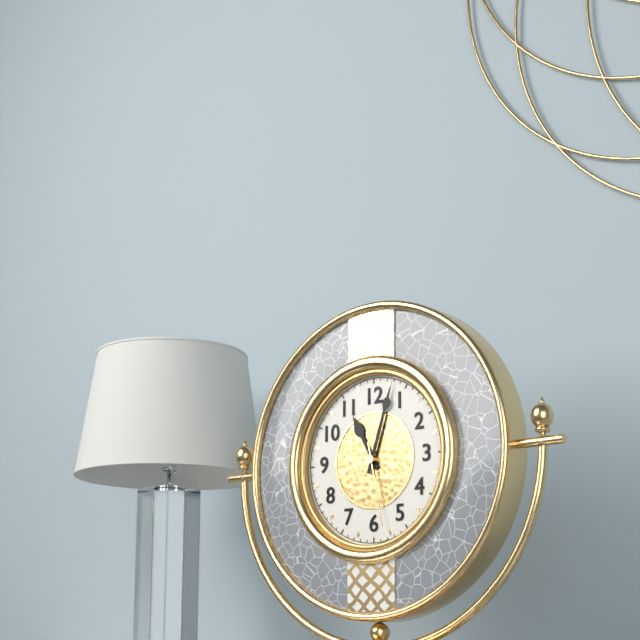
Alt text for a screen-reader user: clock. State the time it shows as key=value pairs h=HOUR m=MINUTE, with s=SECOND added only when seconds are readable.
h=11 m=3 s=28
